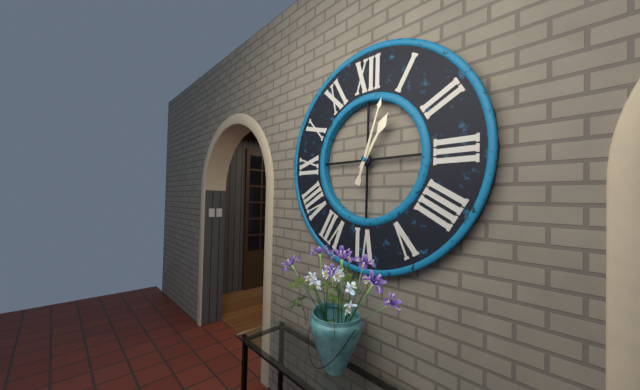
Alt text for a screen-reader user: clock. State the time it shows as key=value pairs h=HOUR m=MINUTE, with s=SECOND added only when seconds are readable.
h=1 m=3
